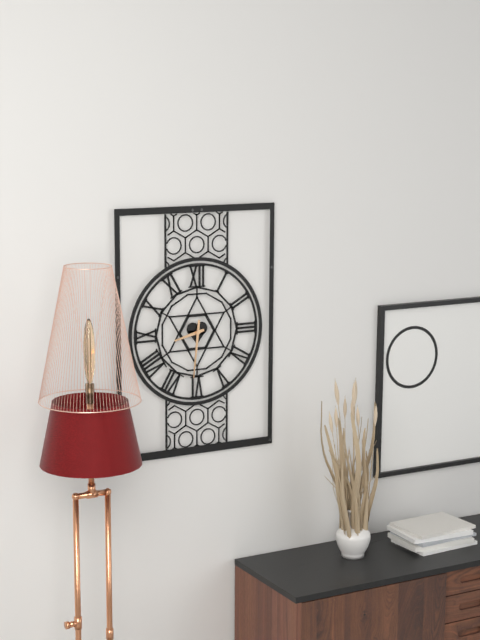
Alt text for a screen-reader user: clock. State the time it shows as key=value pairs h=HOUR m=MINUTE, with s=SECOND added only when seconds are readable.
h=8 m=31
